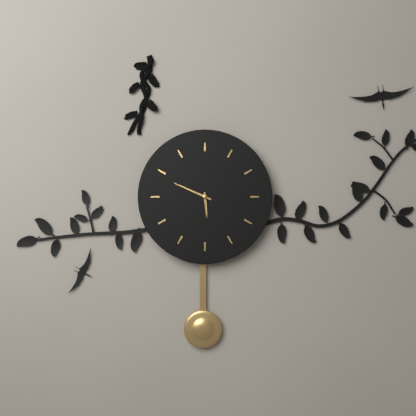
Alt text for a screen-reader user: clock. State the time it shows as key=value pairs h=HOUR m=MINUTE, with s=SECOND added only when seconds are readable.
h=5 m=49
